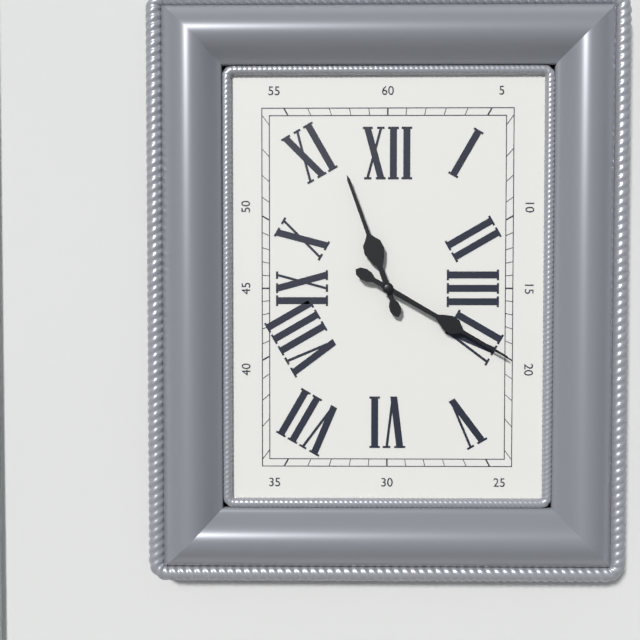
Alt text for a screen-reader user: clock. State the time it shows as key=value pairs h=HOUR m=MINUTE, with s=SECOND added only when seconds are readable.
h=11 m=20
